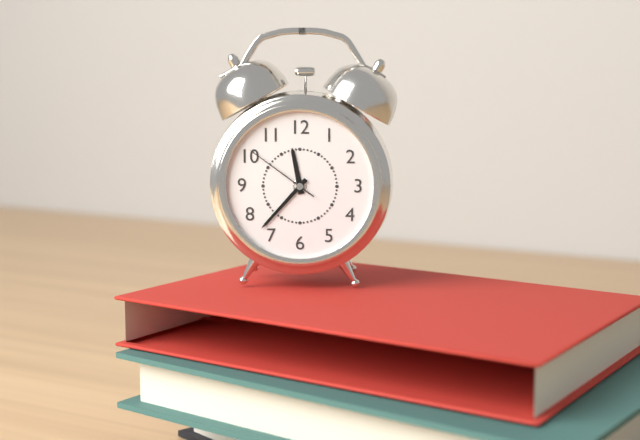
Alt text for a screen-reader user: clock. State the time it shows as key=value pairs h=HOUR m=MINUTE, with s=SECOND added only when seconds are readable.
h=11 m=37 s=51
